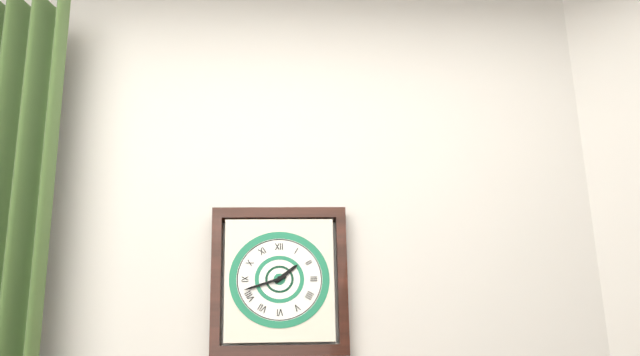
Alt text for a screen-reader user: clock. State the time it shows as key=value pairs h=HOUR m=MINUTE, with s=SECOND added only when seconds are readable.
h=1 m=42
